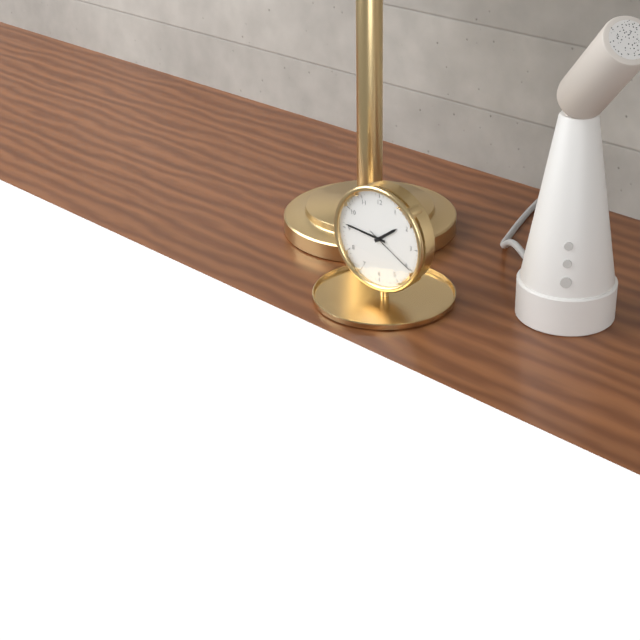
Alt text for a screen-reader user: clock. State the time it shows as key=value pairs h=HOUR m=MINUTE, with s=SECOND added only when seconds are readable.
h=1 m=46 s=20
